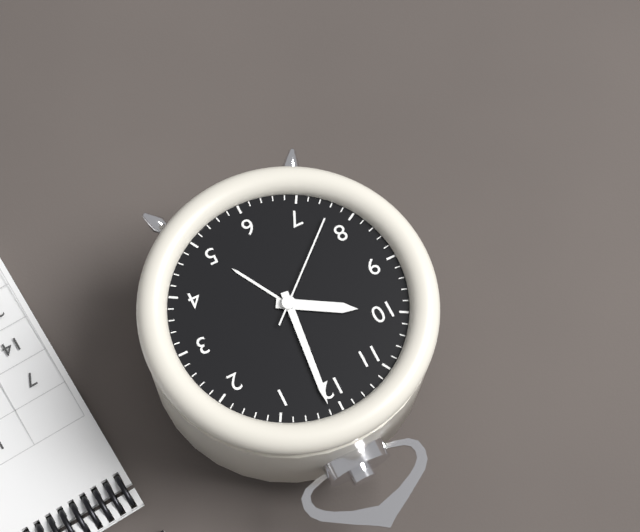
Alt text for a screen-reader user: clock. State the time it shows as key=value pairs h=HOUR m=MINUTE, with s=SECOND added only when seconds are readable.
h=10 m=1 s=38
